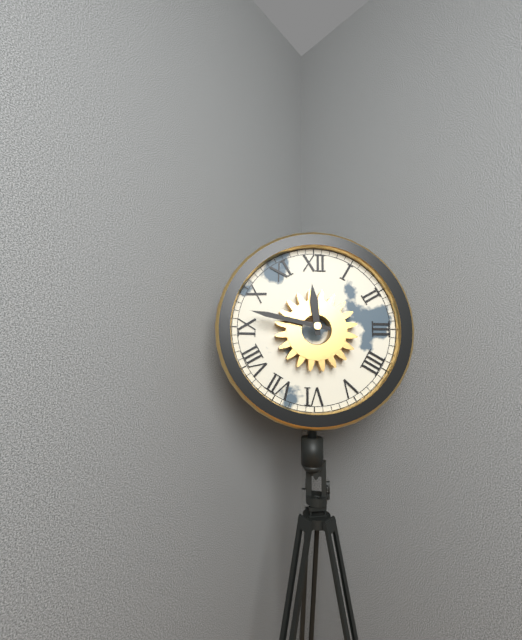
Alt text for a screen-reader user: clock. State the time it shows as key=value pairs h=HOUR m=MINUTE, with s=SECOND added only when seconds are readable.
h=11 m=47
